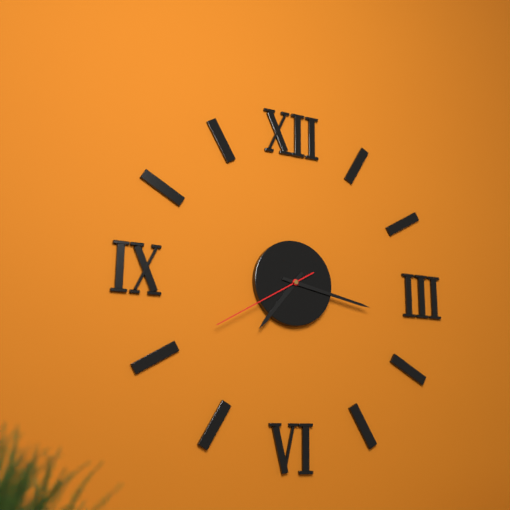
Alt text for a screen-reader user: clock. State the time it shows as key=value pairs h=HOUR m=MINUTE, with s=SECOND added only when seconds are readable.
h=7 m=17 s=40
